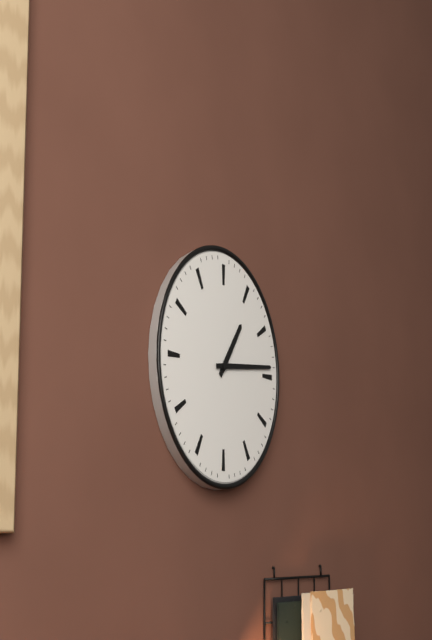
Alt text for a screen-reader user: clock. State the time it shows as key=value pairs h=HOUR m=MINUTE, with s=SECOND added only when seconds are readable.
h=1 m=14
